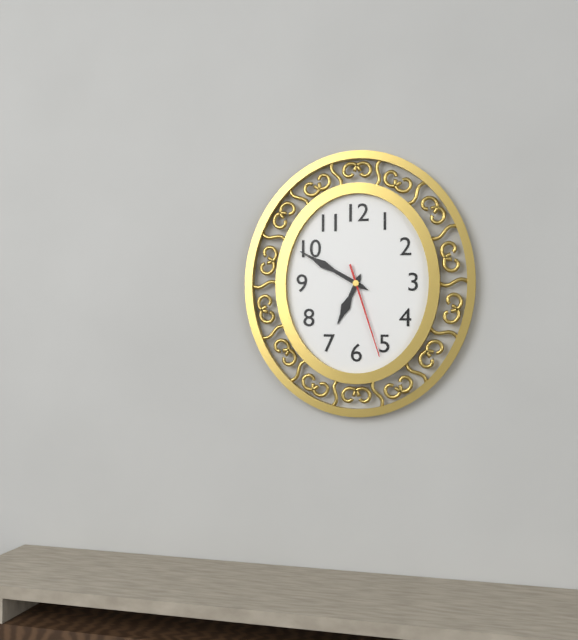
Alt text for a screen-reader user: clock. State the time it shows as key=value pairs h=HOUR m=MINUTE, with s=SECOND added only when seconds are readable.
h=6 m=50 s=27
